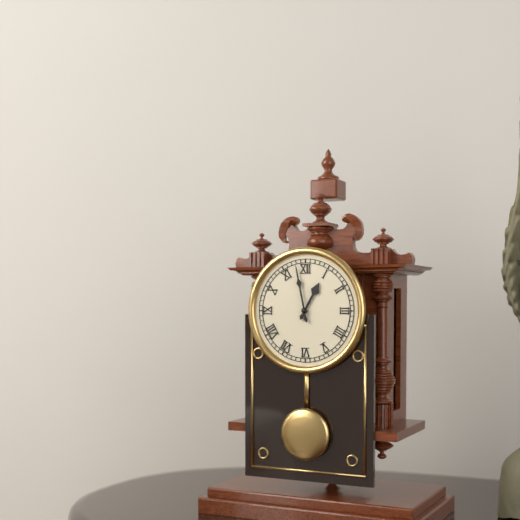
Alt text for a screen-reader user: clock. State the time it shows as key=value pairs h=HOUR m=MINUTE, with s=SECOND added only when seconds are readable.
h=12 m=58
